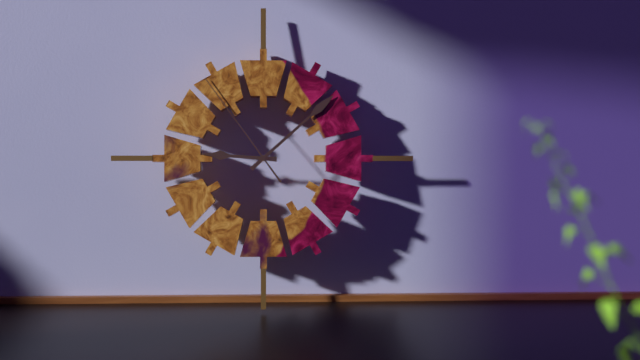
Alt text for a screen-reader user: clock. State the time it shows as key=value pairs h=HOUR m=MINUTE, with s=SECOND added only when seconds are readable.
h=9 m=8 s=54
